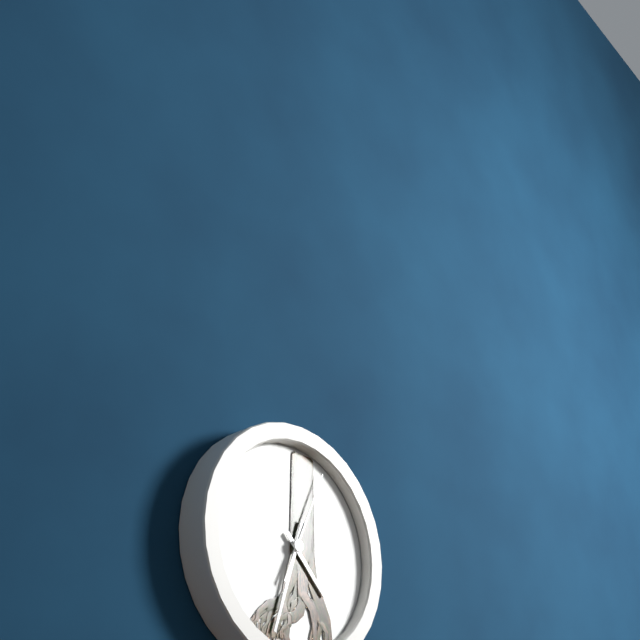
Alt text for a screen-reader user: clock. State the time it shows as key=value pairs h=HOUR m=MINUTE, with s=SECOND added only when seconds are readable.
h=4 m=33 s=4
